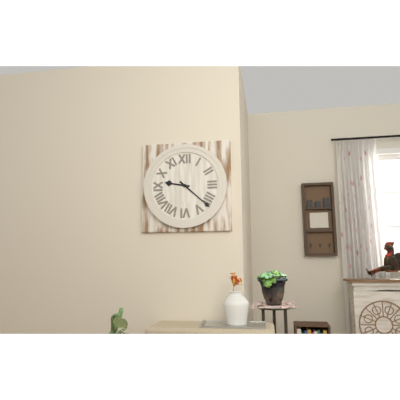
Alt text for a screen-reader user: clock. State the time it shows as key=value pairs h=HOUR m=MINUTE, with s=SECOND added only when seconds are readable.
h=9 m=22
